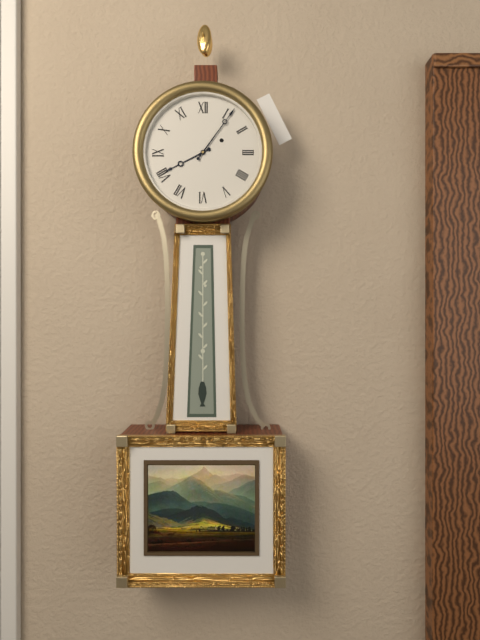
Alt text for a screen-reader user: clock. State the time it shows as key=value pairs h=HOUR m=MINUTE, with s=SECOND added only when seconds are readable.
h=8 m=6
